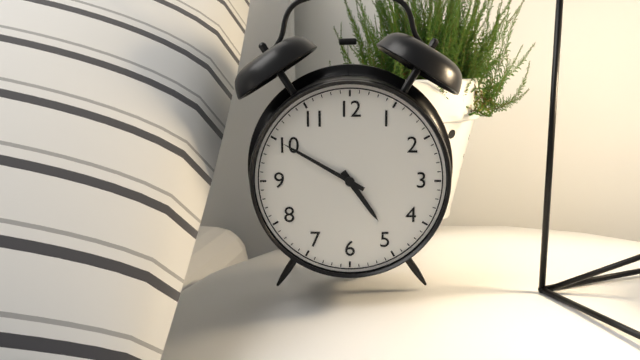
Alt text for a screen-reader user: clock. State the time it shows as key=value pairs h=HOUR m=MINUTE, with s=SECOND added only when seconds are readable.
h=4 m=50
